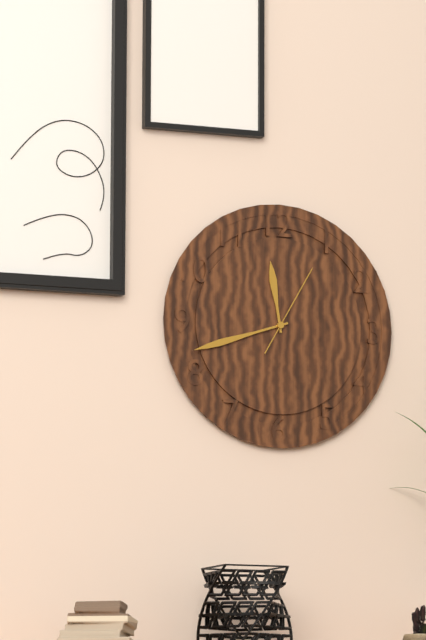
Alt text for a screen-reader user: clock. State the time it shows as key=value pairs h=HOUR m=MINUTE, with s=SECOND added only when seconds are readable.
h=11 m=42 s=5
